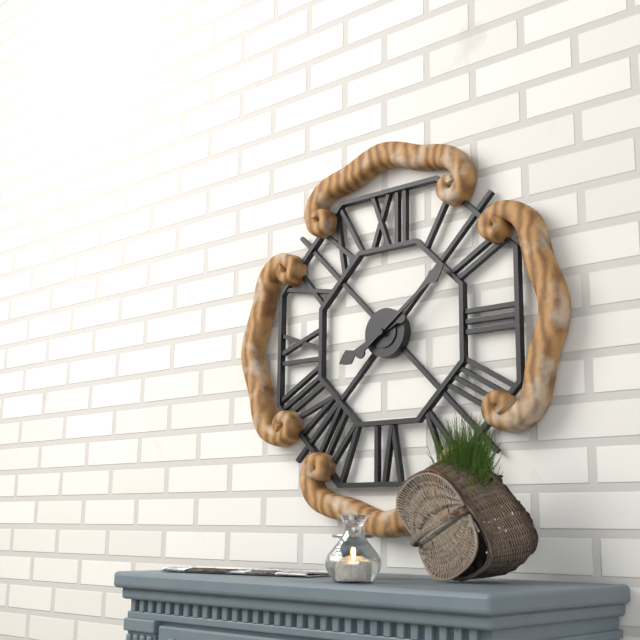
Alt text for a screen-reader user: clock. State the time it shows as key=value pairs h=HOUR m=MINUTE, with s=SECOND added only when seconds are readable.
h=8 m=9
